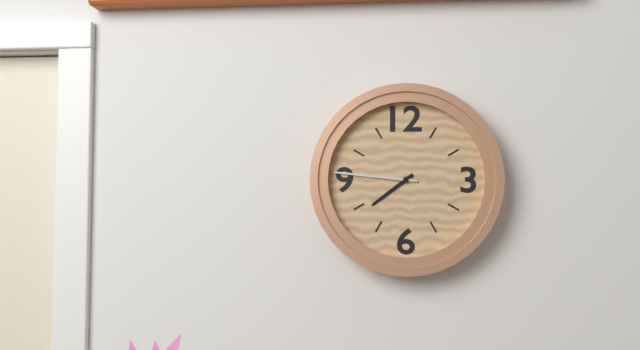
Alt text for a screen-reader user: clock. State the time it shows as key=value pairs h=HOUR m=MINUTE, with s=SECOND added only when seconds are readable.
h=7 m=46
